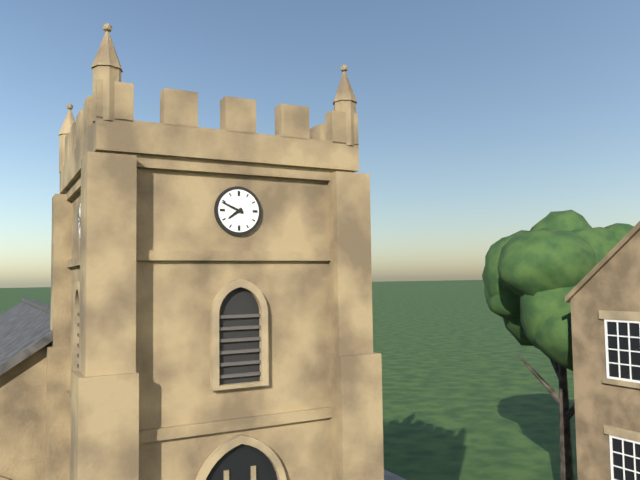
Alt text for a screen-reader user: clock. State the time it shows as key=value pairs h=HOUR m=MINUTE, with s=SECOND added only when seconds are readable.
h=7 m=49
